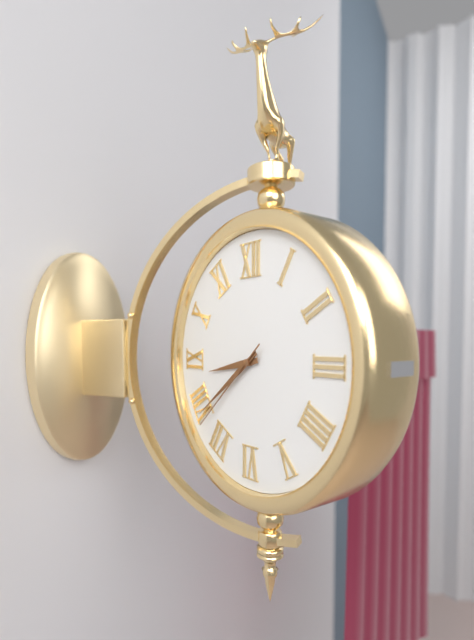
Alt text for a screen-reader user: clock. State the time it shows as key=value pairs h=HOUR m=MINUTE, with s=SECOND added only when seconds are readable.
h=8 m=39 s=38
